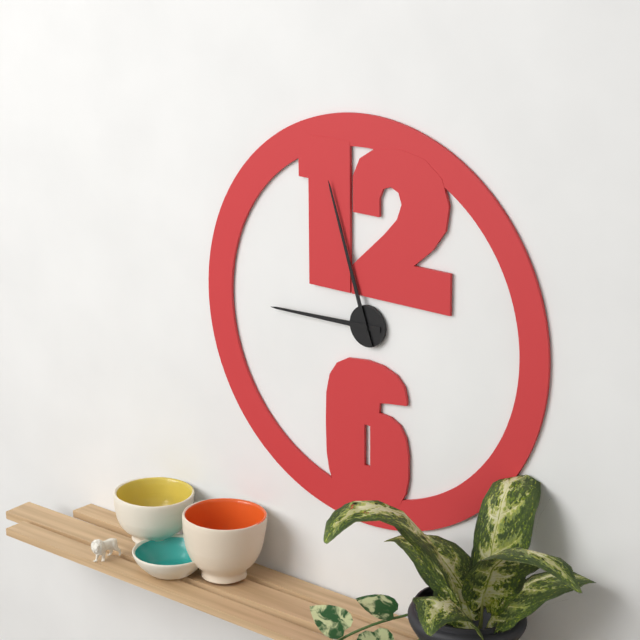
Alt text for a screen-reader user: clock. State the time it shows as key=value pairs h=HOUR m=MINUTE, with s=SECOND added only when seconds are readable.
h=8 m=57
